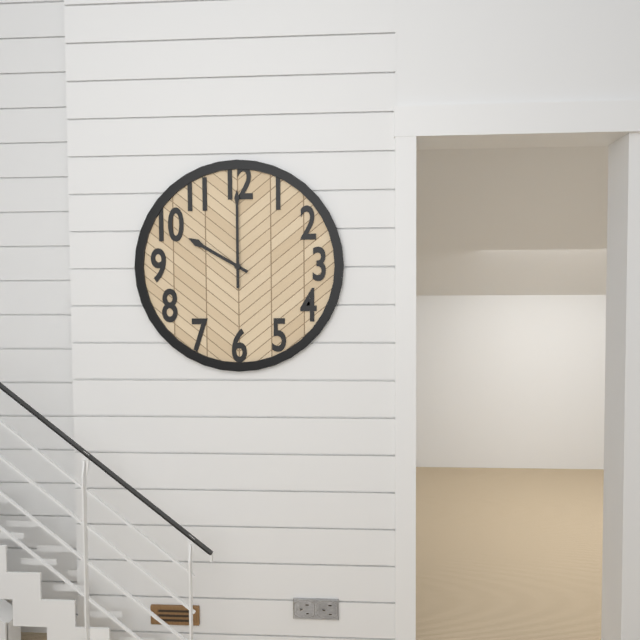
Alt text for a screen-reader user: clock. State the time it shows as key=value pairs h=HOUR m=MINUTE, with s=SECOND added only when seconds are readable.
h=10 m=0
